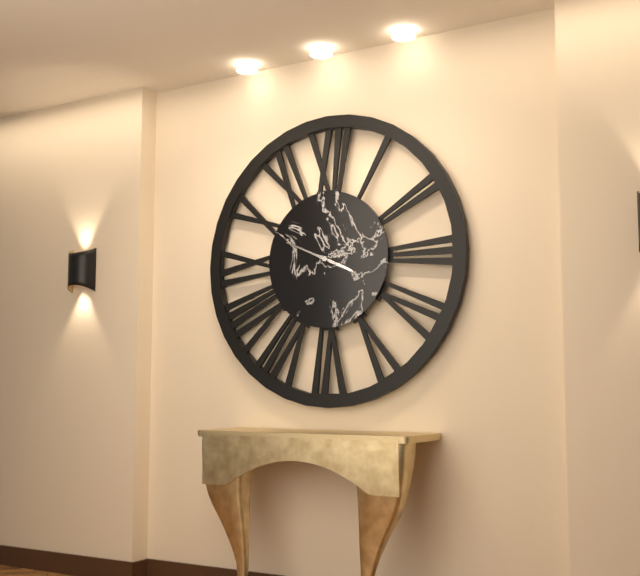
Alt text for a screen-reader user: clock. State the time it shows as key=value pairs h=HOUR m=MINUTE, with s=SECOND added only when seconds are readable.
h=3 m=49
